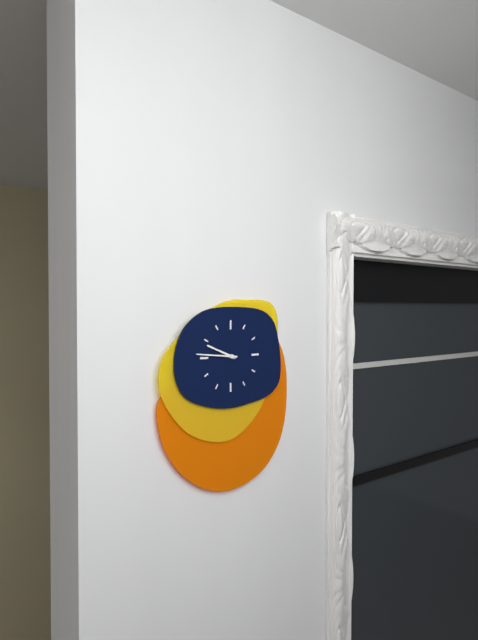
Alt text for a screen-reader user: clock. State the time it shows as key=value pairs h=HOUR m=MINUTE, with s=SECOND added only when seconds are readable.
h=9 m=46
